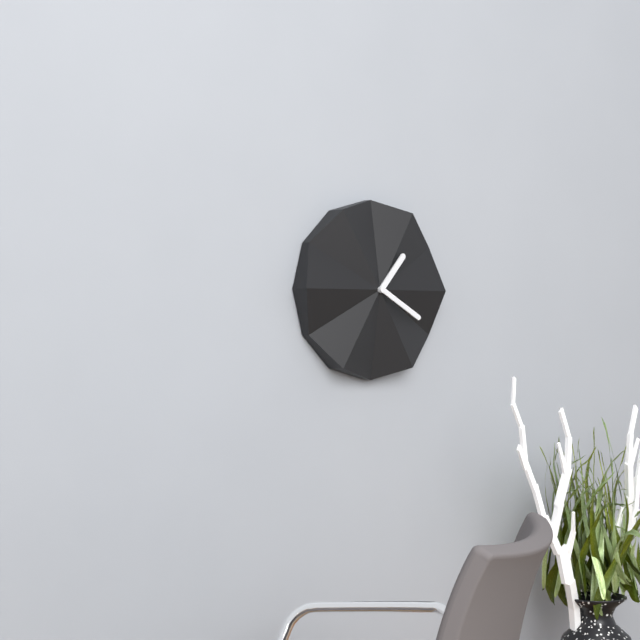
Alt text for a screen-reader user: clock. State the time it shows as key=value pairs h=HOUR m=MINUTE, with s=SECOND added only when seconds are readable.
h=1 m=20
